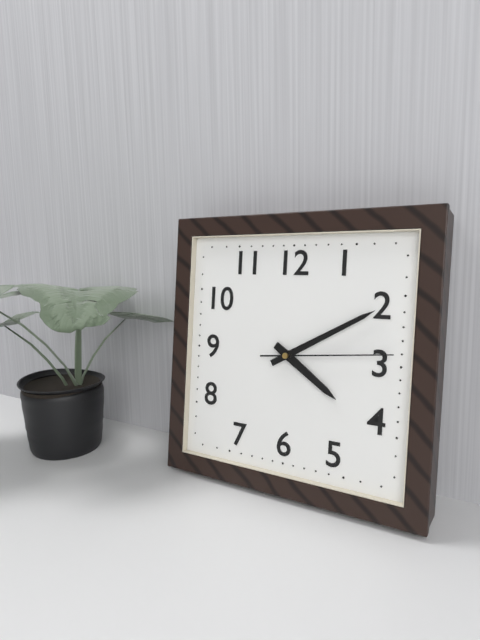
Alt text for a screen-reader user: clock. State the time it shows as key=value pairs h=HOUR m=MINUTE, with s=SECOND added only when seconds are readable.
h=4 m=10 s=14
